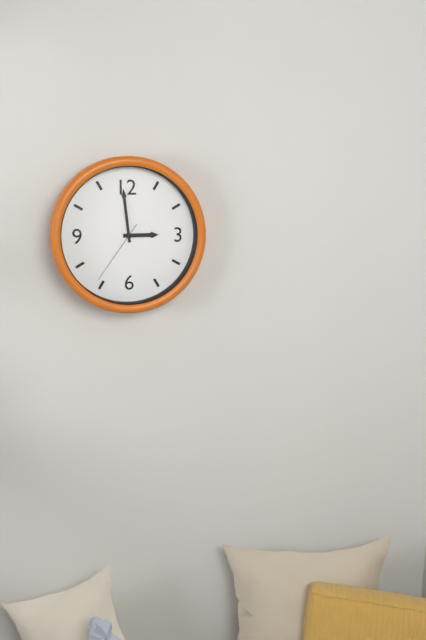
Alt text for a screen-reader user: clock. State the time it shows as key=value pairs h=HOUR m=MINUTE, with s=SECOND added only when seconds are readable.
h=2 m=59 s=36
